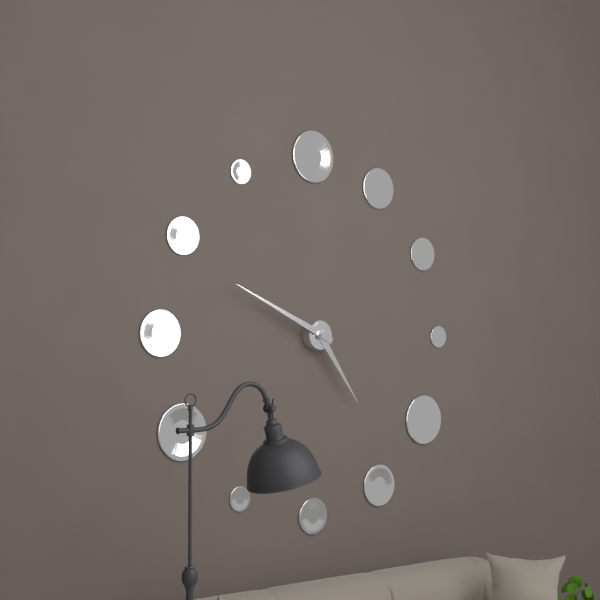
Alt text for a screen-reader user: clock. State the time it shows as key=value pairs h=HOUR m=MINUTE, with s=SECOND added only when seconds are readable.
h=4 m=49
